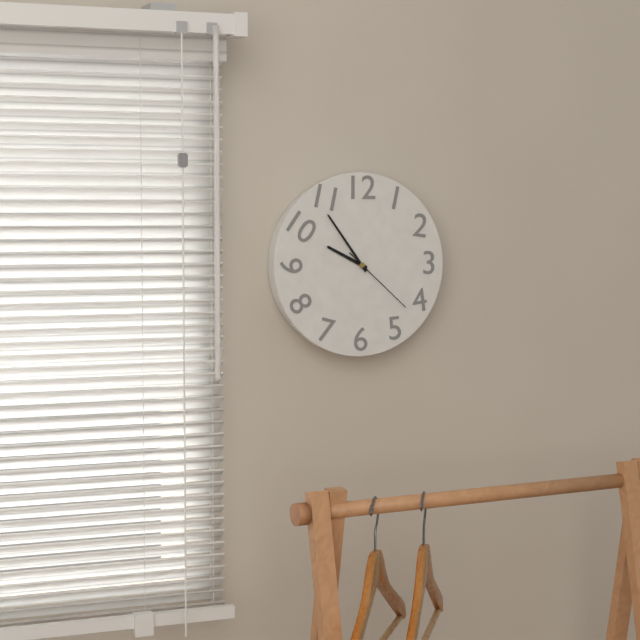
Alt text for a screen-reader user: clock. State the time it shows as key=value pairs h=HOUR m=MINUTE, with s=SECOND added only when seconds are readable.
h=9 m=54 s=22
